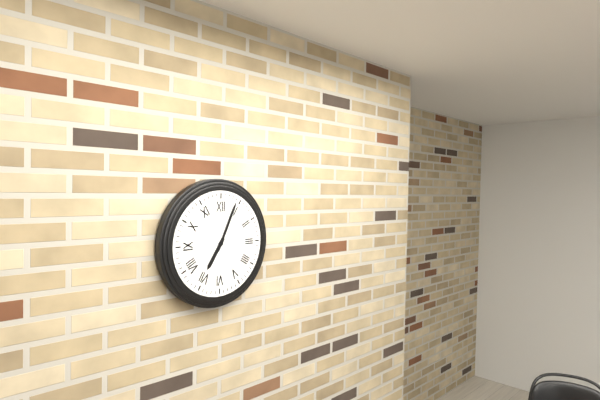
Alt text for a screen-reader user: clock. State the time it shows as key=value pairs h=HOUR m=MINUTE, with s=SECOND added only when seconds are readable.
h=7 m=4
